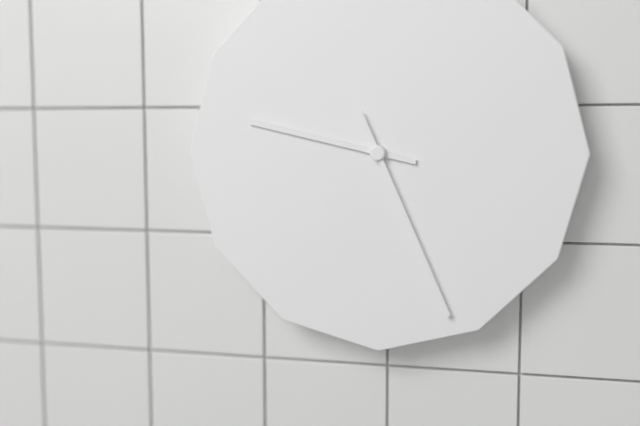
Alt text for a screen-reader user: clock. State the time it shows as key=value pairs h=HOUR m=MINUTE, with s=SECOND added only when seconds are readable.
h=9 m=26
